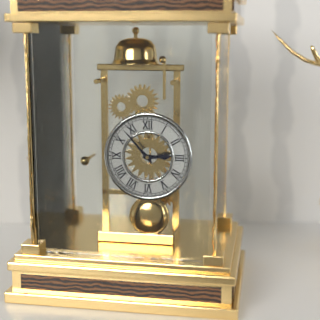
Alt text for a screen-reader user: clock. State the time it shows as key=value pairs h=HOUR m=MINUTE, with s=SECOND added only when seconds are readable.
h=2 m=53
